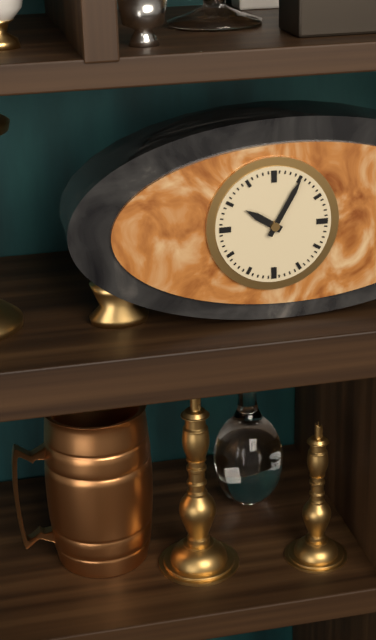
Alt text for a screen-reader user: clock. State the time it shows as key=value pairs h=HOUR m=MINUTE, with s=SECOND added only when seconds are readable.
h=10 m=5
